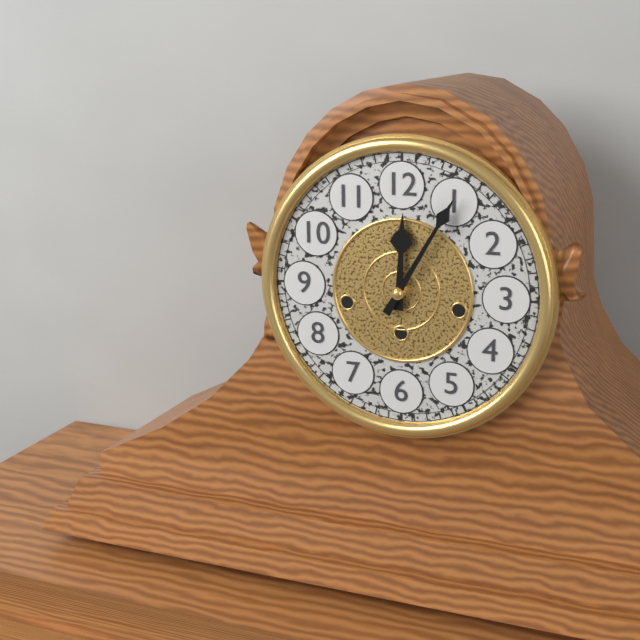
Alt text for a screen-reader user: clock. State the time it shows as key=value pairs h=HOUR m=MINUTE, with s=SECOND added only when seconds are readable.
h=12 m=5
